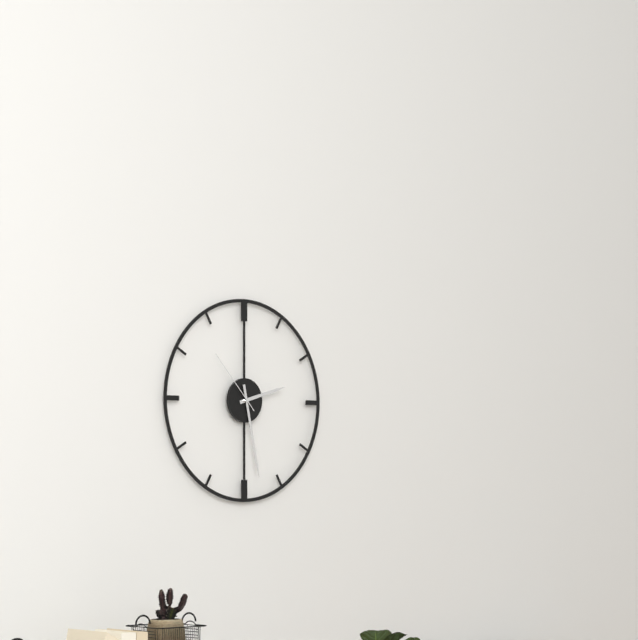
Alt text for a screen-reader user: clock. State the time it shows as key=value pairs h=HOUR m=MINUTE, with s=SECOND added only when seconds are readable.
h=2 m=28 s=53
